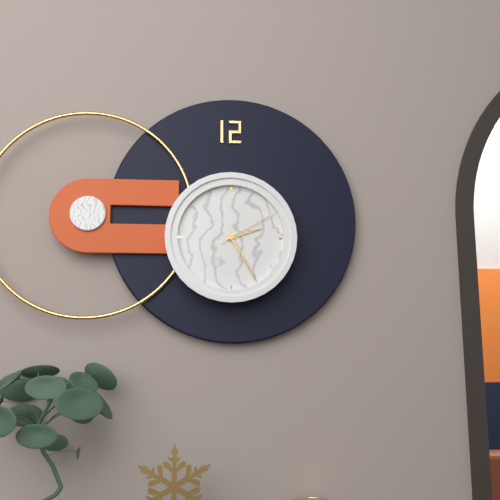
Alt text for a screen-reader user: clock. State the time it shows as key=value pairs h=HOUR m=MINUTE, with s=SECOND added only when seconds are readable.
h=2 m=25 s=10
